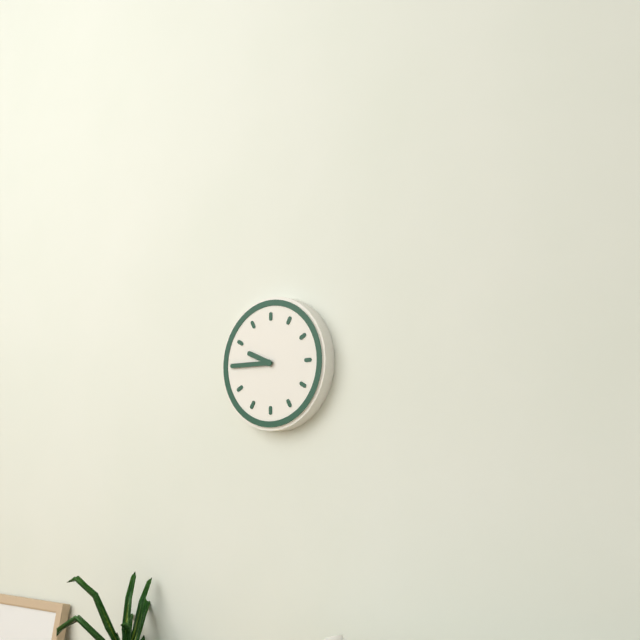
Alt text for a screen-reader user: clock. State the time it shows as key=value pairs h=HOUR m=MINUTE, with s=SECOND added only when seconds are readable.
h=9 m=45
